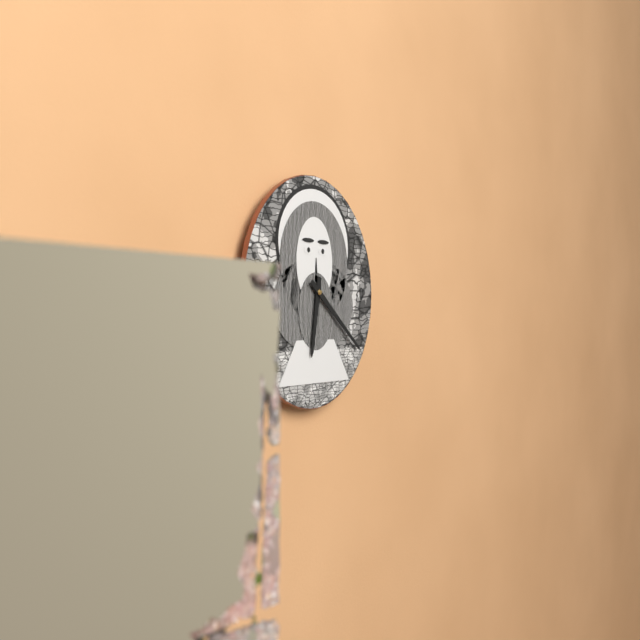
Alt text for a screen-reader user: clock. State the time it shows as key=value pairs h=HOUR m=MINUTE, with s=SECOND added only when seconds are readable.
h=6 m=21
